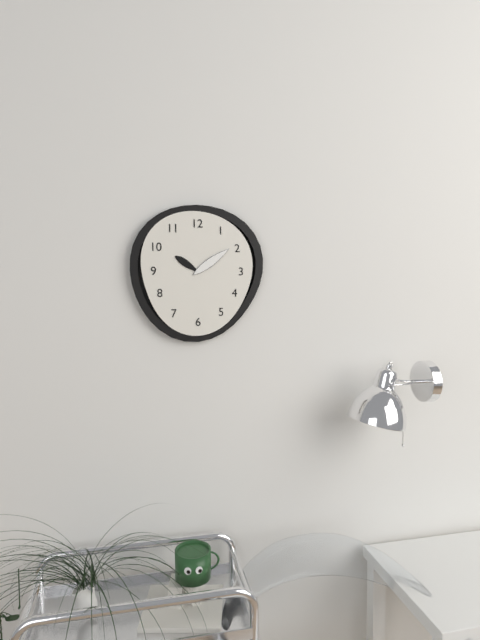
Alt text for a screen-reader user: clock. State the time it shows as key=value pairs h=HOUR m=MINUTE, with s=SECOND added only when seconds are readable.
h=10 m=9
